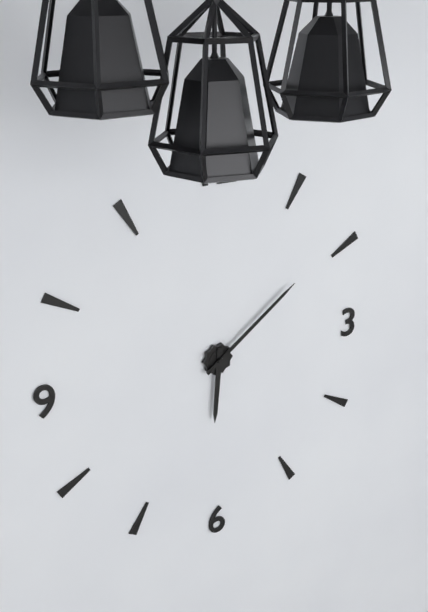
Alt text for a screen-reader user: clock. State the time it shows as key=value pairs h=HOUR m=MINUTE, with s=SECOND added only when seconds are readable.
h=6 m=9
